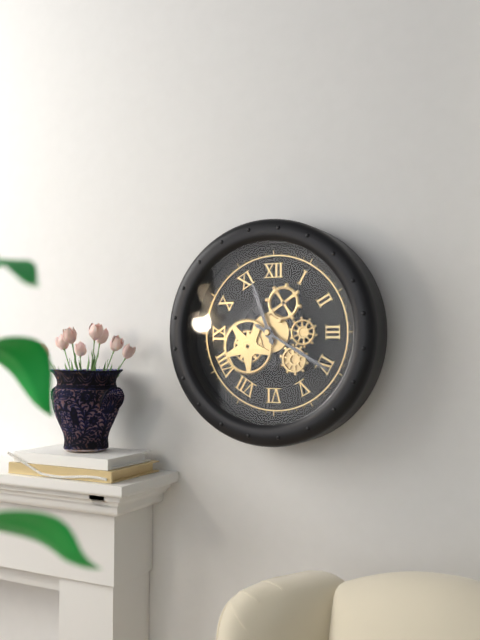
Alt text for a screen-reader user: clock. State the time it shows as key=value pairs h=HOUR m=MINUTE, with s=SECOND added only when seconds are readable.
h=11 m=20
